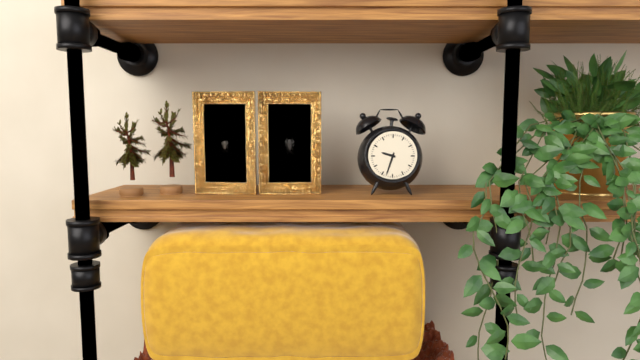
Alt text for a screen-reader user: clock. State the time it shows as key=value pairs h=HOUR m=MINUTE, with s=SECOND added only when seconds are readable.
h=9 m=33
